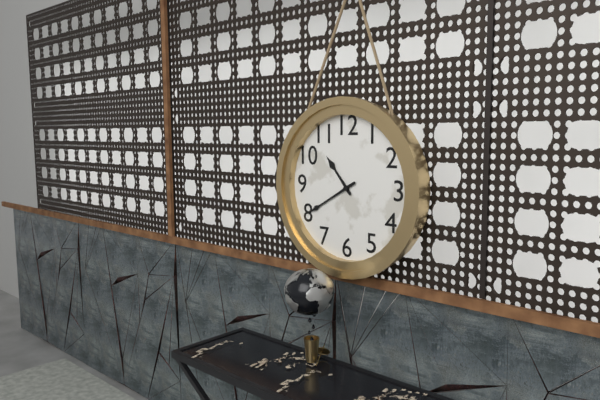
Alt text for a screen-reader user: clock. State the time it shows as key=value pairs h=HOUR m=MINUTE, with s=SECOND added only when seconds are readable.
h=10 m=40
